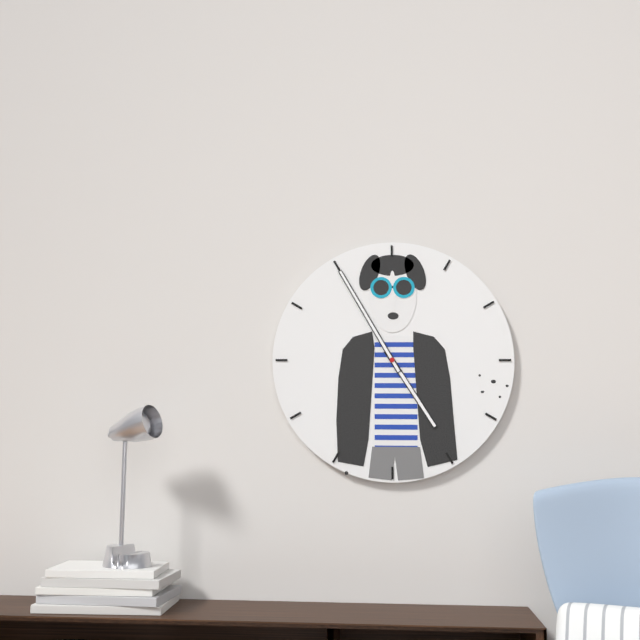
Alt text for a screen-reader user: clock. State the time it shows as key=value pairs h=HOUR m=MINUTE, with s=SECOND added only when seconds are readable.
h=4 m=55
